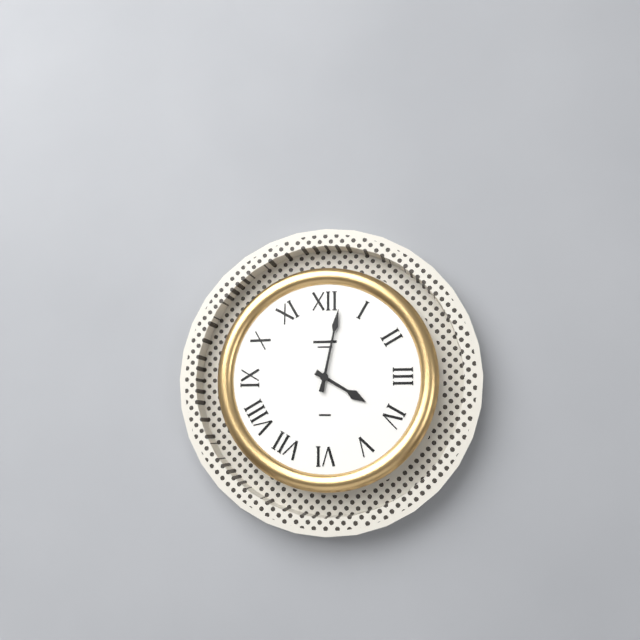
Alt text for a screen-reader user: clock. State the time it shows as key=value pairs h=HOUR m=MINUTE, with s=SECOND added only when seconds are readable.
h=4 m=2
